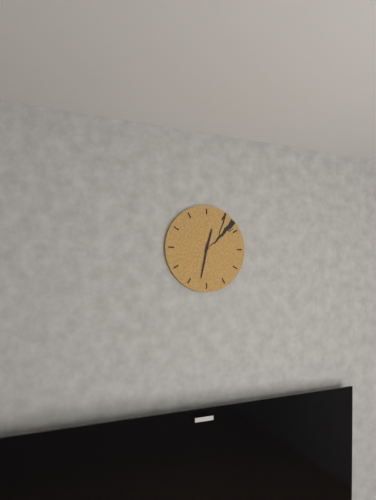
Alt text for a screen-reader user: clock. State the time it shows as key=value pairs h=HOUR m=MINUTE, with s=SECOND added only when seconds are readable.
h=12 m=32
